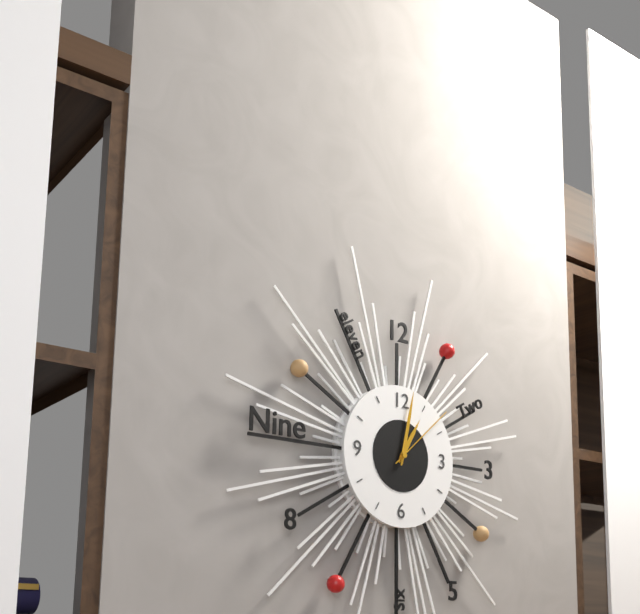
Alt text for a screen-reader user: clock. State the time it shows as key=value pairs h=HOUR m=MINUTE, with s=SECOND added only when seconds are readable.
h=1 m=2 s=8
